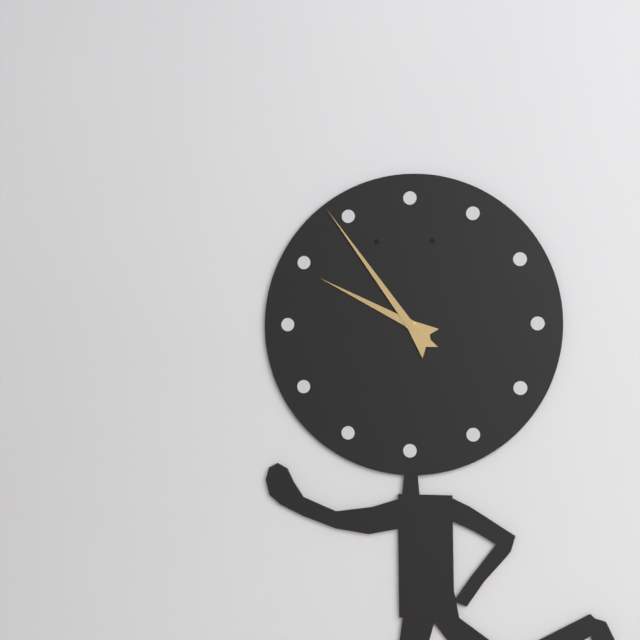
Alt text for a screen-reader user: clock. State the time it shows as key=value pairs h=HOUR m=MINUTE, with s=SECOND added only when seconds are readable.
h=9 m=54
